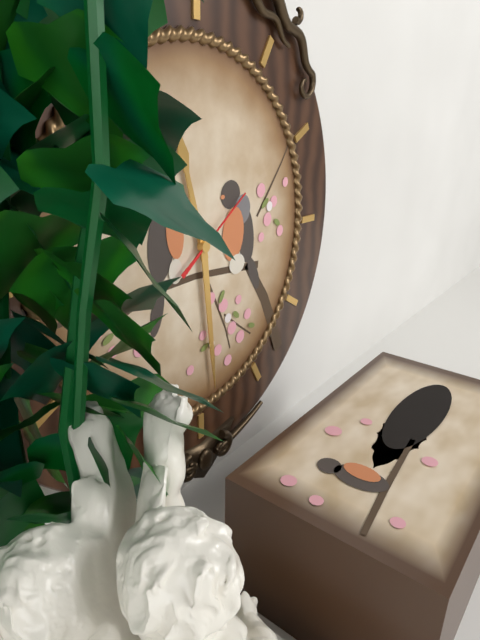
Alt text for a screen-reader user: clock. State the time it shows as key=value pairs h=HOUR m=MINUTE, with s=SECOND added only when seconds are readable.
h=11 m=29 s=9
